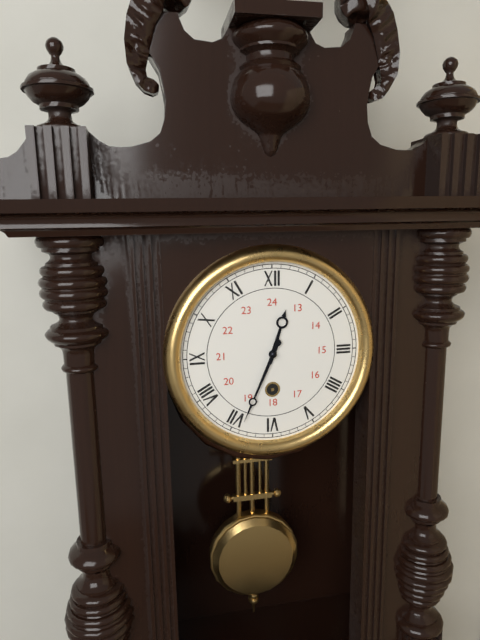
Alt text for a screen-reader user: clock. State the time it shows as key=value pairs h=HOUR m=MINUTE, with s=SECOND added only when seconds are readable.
h=12 m=34
